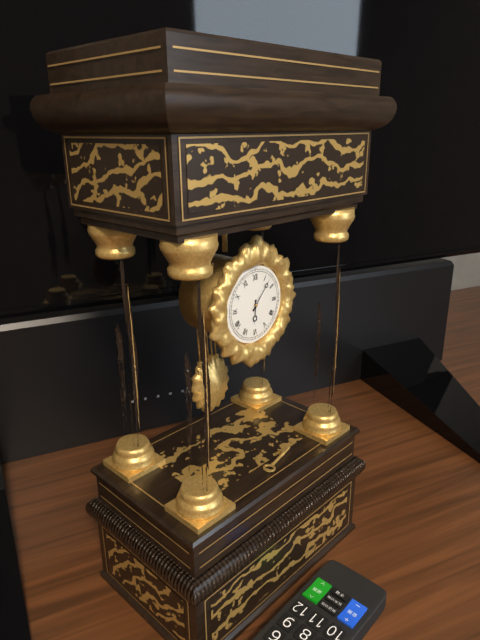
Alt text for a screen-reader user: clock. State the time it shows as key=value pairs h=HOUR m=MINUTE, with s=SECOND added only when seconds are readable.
h=6 m=7
